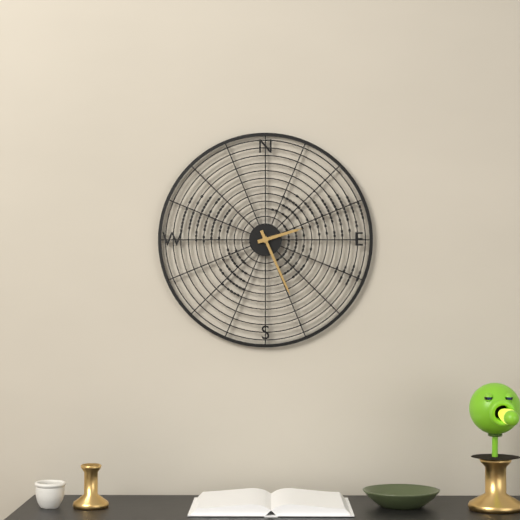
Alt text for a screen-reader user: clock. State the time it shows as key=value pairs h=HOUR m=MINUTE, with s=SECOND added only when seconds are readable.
h=2 m=26
